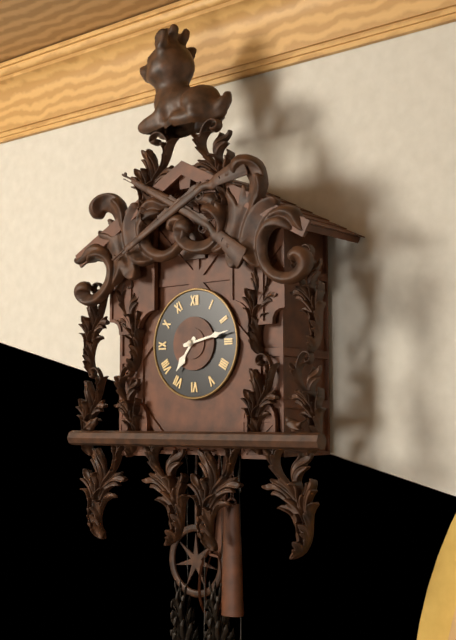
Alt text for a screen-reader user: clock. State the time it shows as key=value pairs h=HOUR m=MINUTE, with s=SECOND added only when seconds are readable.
h=7 m=13
